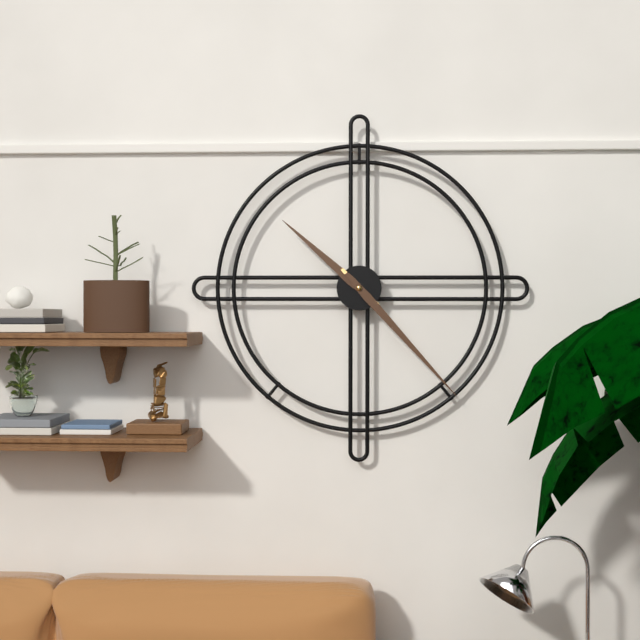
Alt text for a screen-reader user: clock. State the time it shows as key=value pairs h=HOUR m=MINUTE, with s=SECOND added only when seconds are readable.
h=10 m=23
